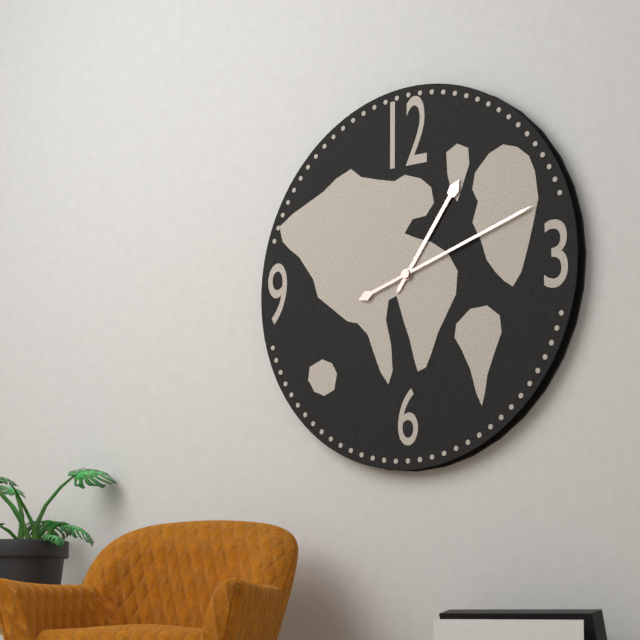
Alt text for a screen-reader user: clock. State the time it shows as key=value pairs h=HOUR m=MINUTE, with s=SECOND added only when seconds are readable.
h=1 m=12
